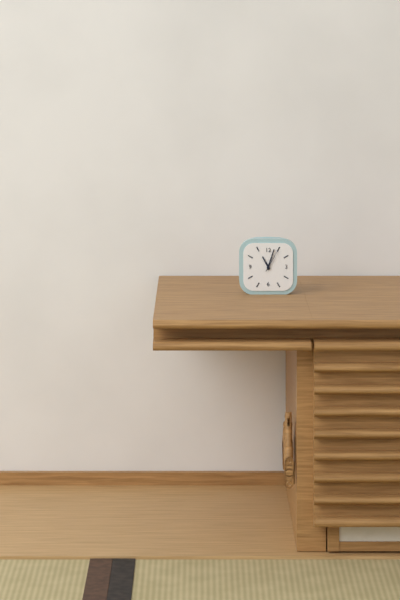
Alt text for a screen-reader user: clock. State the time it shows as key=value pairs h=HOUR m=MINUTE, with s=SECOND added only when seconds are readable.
h=11 m=3
